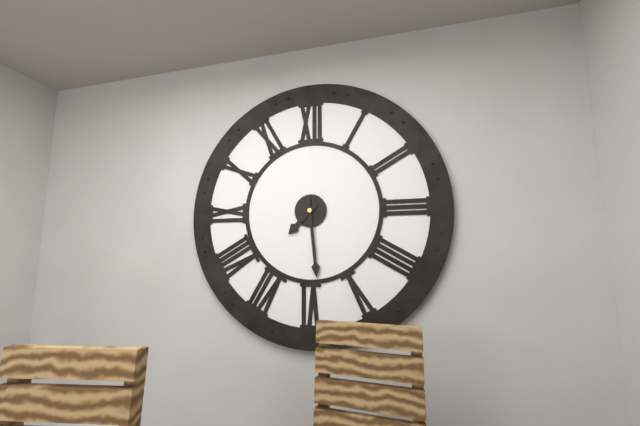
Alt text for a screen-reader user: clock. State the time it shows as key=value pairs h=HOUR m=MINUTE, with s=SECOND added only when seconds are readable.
h=7 m=29
